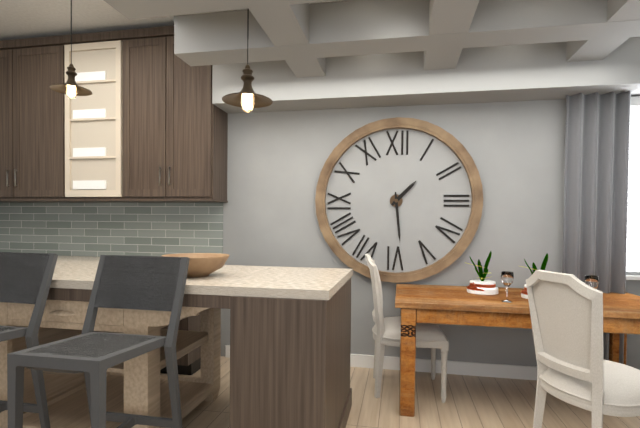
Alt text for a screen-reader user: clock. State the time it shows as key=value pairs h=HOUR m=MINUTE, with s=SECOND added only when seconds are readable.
h=1 m=29
